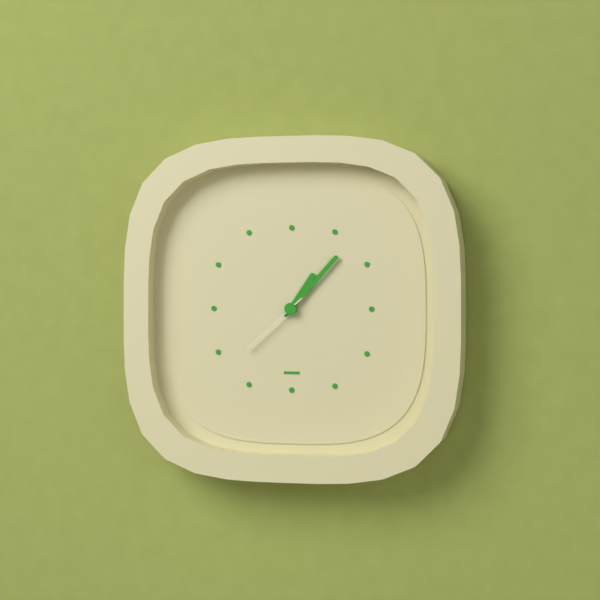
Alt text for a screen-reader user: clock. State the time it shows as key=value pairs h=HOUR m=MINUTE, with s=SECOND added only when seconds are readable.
h=1 m=7 s=38
